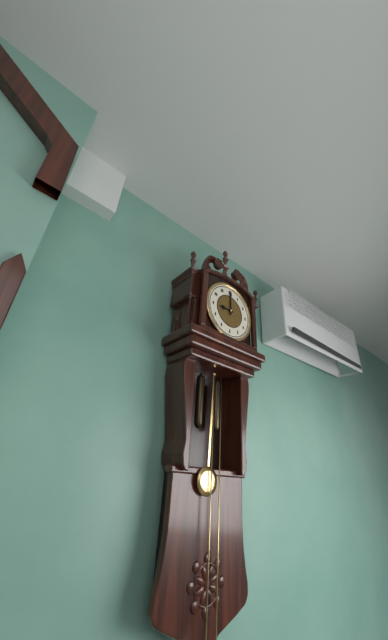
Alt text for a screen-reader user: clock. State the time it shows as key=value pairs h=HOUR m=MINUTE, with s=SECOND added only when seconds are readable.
h=9 m=0
